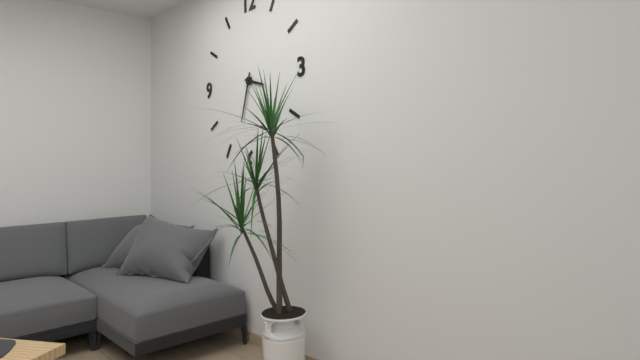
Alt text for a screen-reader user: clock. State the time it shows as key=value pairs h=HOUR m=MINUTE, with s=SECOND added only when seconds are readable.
h=3 m=33
